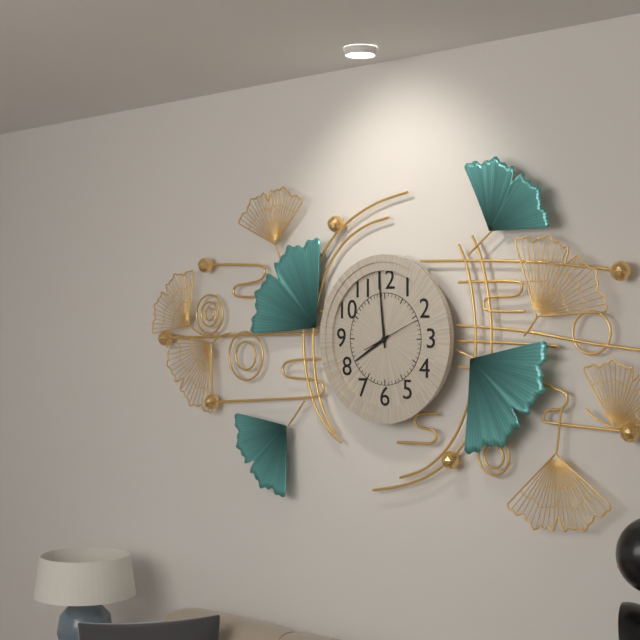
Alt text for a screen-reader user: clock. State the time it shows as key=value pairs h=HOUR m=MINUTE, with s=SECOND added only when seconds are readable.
h=7 m=59
